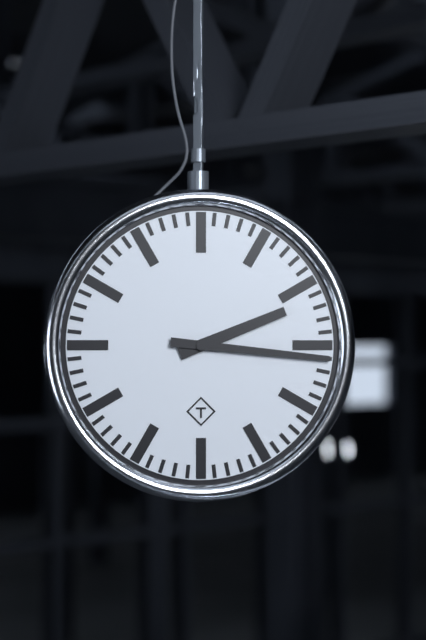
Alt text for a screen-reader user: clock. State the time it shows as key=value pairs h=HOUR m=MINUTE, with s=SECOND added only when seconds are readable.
h=2 m=16
